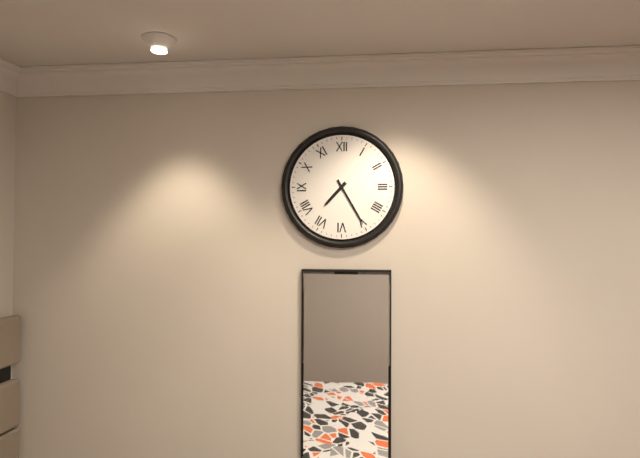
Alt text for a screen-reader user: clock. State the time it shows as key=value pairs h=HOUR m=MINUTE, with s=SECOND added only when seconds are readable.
h=7 m=25
